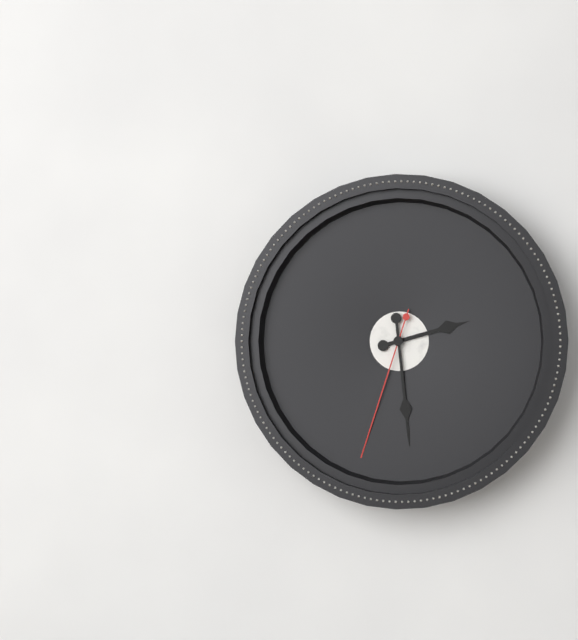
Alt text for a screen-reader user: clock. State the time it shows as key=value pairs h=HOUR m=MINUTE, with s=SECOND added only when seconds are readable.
h=2 m=29 s=33
